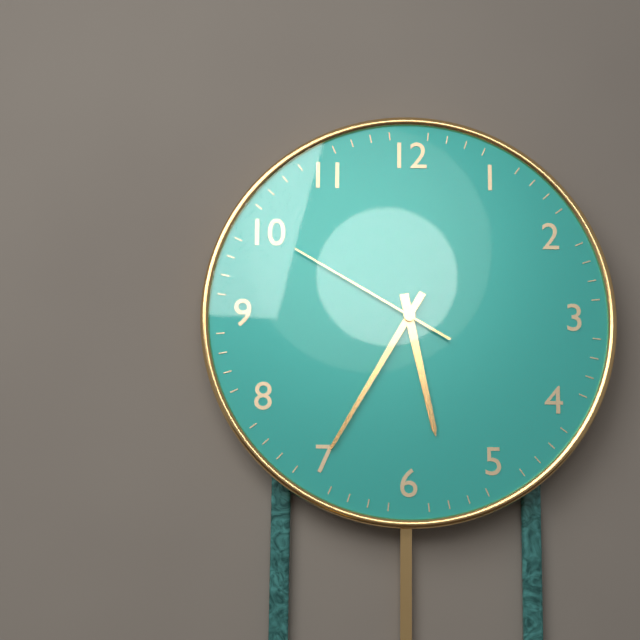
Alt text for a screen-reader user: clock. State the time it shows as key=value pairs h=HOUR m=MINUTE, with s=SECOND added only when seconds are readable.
h=5 m=35 s=50
